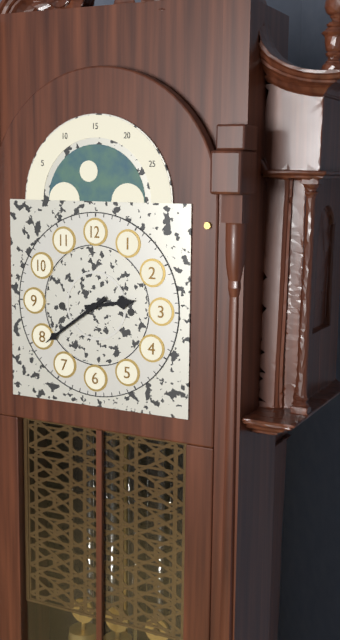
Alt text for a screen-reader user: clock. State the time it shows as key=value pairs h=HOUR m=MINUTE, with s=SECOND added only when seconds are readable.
h=2 m=39
